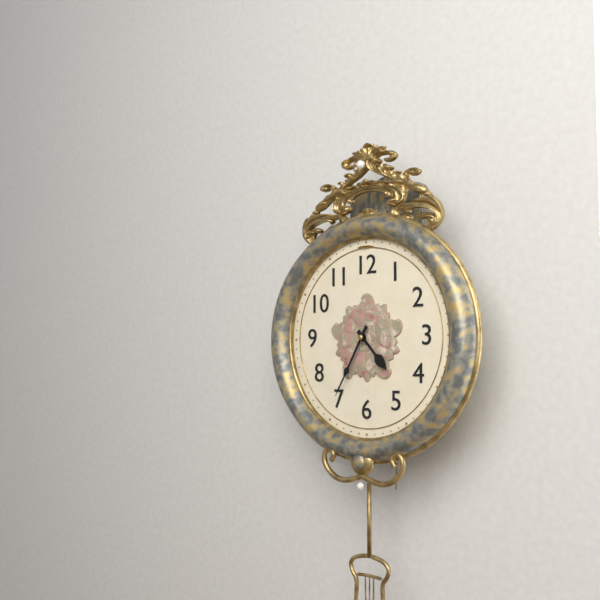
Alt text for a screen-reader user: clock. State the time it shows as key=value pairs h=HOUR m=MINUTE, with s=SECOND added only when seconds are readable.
h=4 m=35
